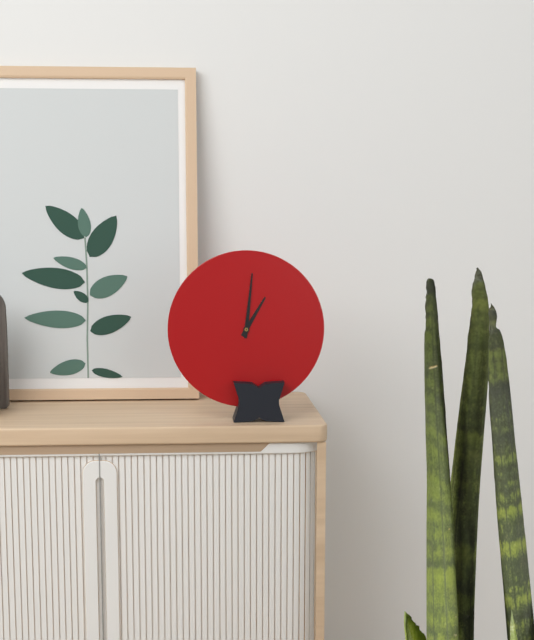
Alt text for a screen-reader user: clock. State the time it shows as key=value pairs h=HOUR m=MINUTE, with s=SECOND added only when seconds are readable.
h=1 m=1
